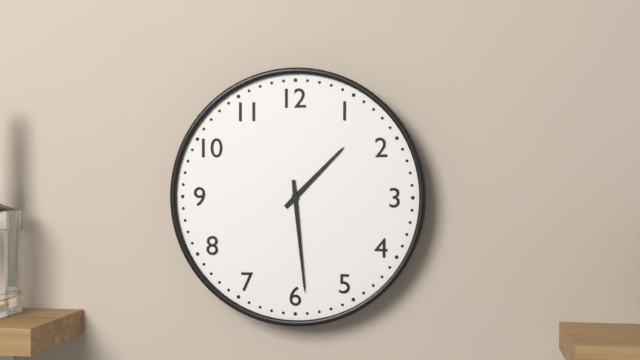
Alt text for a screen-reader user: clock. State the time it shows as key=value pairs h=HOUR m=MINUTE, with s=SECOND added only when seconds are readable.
h=1 m=29
